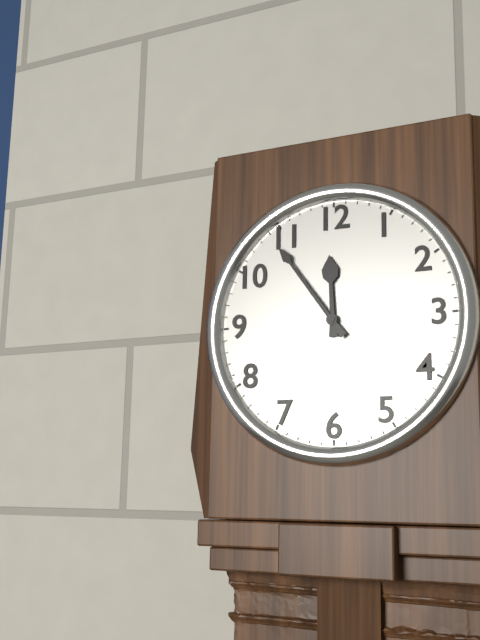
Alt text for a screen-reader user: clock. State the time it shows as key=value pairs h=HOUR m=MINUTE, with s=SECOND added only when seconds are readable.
h=11 m=54
